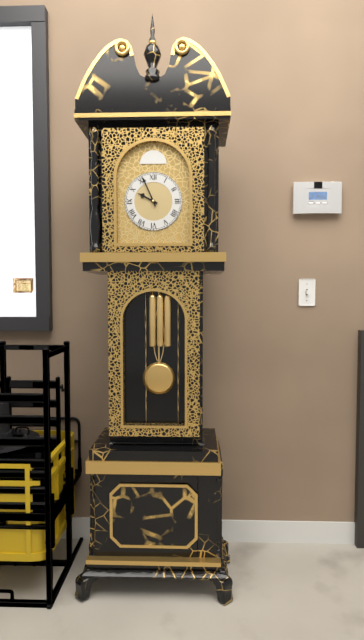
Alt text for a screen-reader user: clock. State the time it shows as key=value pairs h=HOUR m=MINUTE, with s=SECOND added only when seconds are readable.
h=9 m=56
